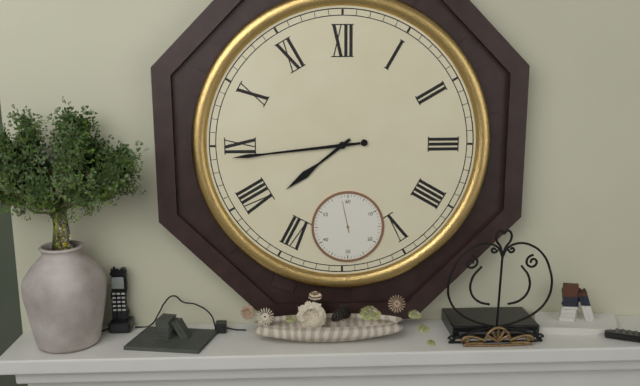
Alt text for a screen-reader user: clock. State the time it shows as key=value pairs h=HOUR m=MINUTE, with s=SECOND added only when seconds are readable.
h=7 m=44
